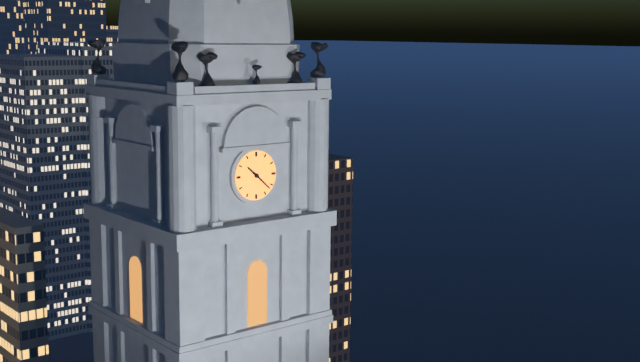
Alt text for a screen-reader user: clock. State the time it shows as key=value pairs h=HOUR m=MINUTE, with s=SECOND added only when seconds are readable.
h=10 m=22
